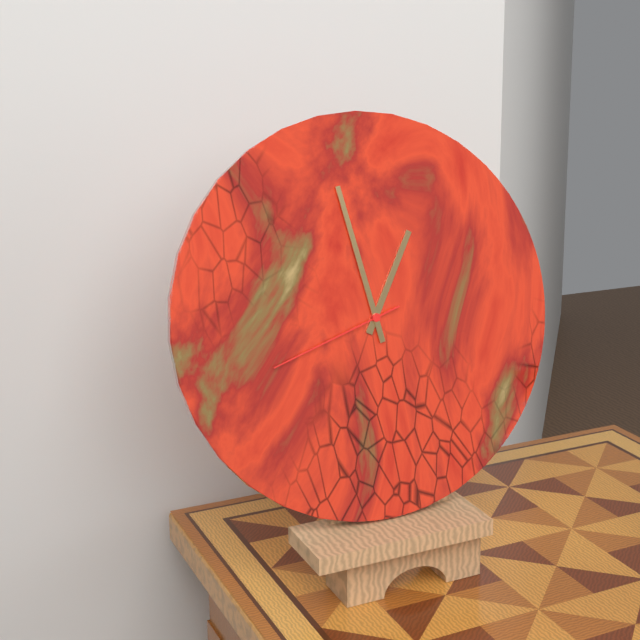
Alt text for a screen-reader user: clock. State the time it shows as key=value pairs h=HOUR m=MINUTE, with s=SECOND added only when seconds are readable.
h=12 m=58 s=42
